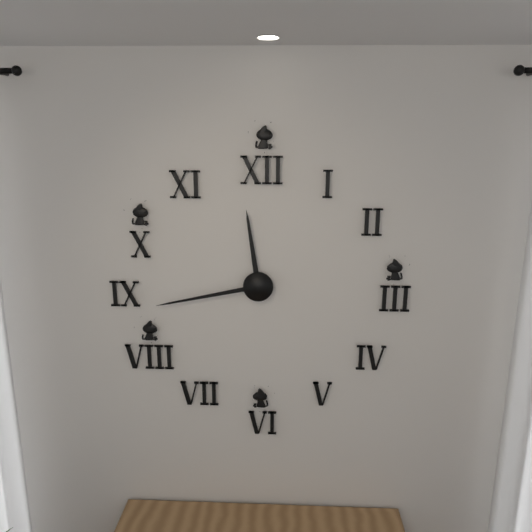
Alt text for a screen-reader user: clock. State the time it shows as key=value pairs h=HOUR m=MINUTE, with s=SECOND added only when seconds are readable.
h=11 m=43
